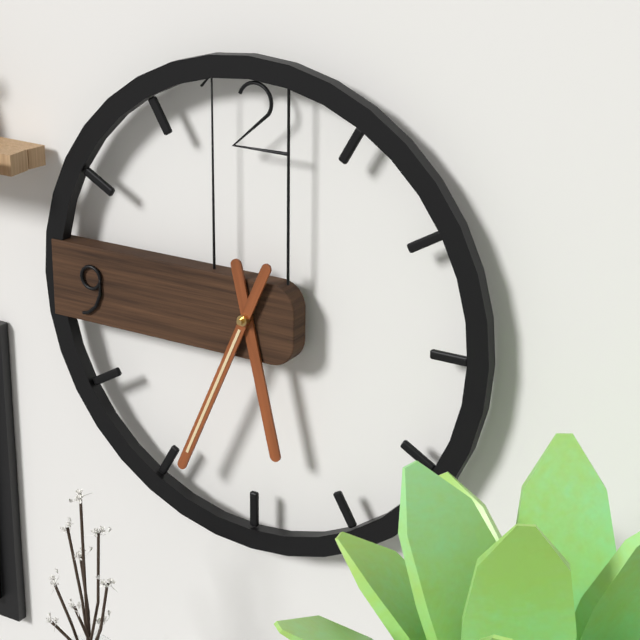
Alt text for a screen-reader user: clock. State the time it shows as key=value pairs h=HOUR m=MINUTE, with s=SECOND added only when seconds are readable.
h=5 m=34
